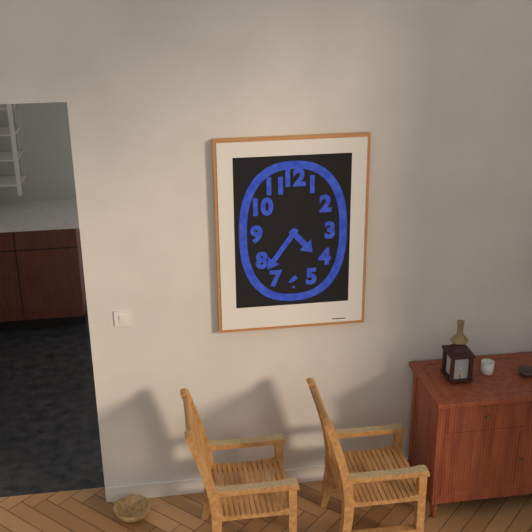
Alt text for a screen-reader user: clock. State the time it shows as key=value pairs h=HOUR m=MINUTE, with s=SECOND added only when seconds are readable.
h=4 m=36
